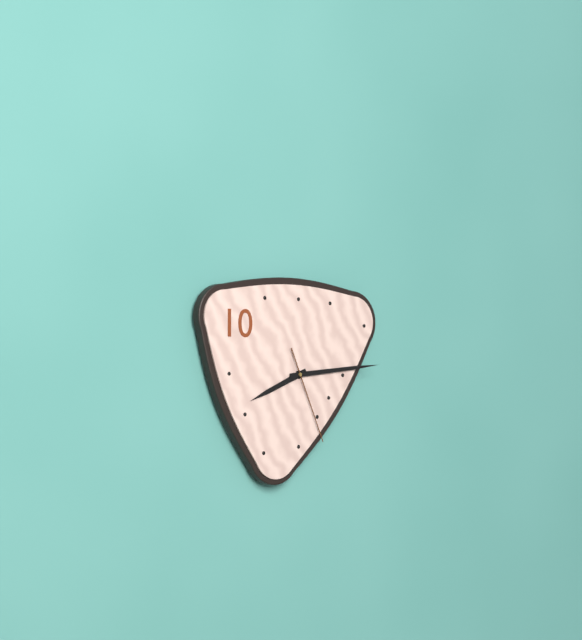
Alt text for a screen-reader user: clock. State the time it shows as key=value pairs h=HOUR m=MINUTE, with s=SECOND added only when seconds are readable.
h=8 m=14 s=26
